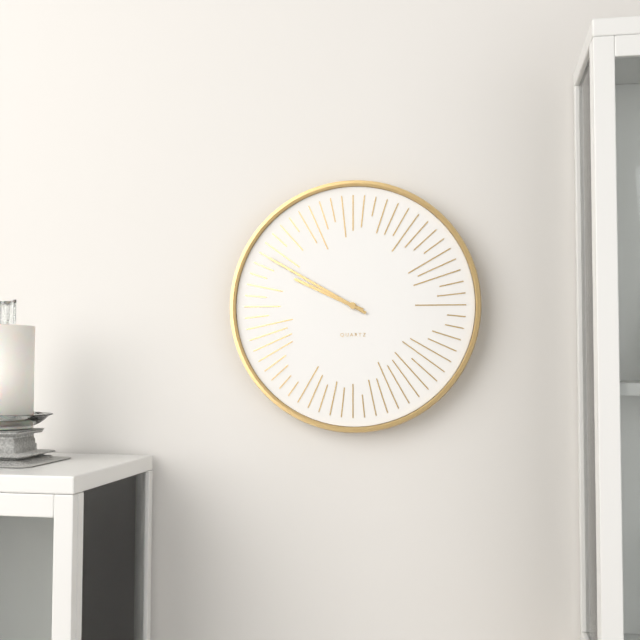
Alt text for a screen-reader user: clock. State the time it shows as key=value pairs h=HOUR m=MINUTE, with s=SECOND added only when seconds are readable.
h=9 m=50
